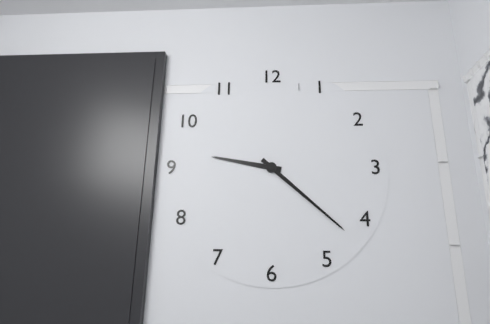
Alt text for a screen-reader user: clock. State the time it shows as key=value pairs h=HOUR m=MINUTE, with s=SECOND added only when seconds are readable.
h=9 m=22
